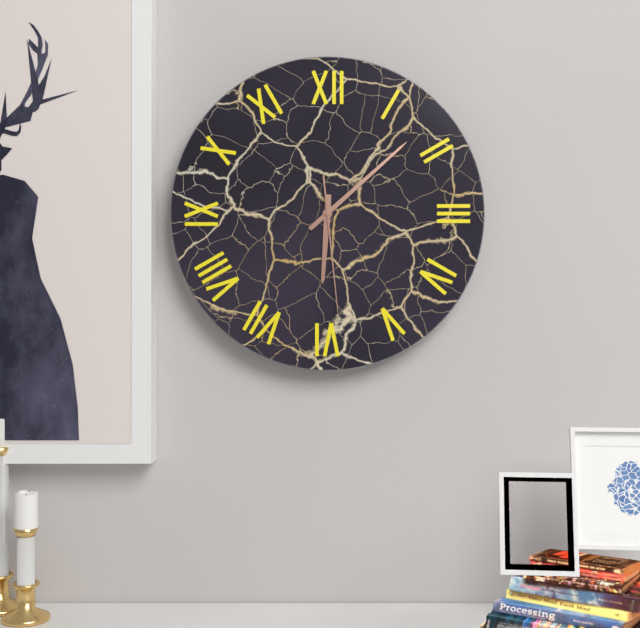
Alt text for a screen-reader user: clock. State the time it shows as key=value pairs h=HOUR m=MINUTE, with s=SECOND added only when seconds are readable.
h=6 m=8 s=29
